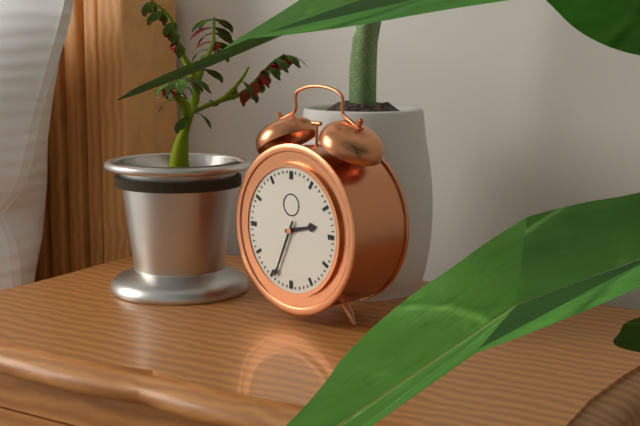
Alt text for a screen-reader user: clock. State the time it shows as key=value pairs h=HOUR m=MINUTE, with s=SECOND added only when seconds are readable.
h=2 m=34
